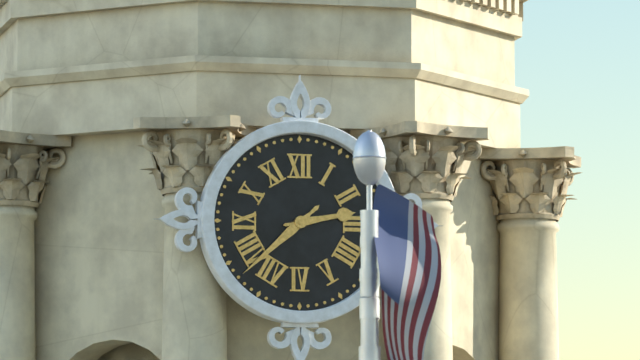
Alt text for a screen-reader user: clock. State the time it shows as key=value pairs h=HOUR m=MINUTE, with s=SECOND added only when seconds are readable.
h=2 m=38
